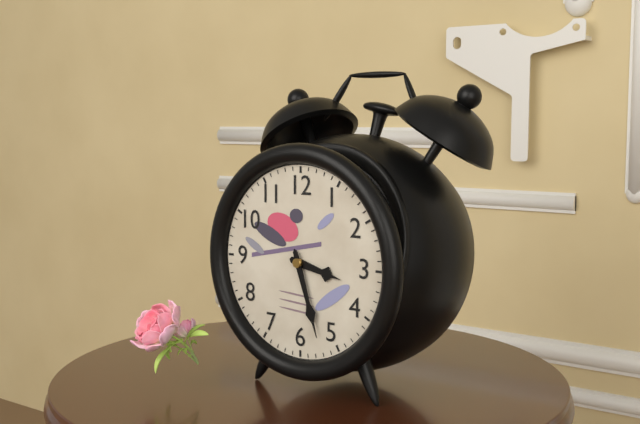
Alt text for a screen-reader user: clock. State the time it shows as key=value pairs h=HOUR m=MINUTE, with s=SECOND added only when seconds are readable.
h=3 m=27
